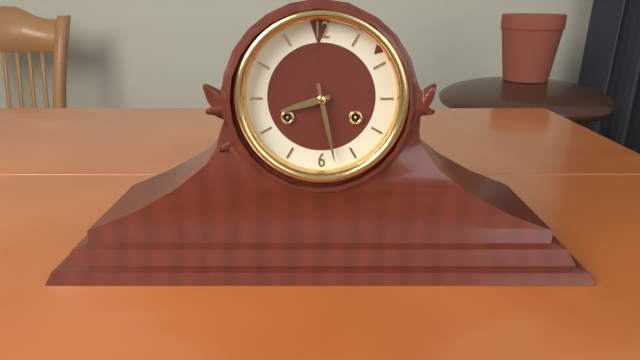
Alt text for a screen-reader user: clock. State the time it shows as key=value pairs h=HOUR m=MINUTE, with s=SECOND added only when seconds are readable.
h=8 m=28
